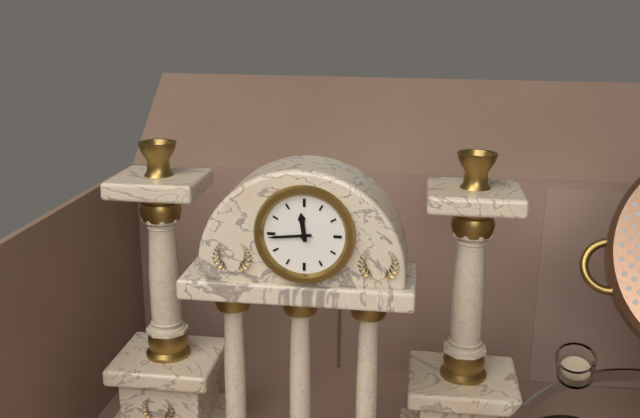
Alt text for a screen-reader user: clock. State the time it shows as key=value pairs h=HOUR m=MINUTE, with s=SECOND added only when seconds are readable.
h=11 m=44
